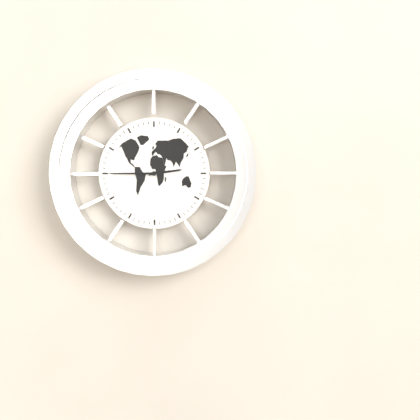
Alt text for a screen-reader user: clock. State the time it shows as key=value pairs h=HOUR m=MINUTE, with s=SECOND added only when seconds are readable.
h=2 m=45
